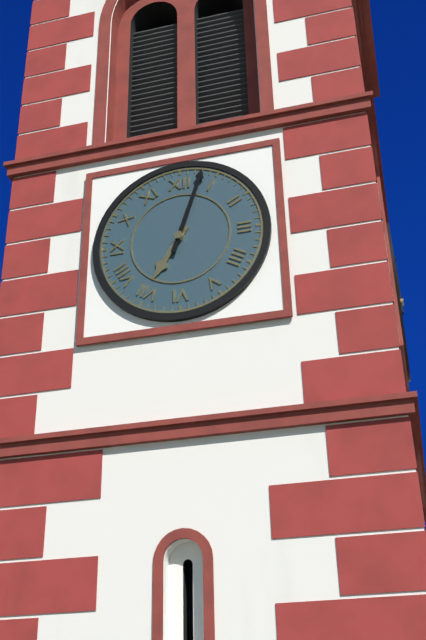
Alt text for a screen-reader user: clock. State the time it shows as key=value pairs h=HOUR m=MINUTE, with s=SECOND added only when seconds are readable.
h=7 m=3
